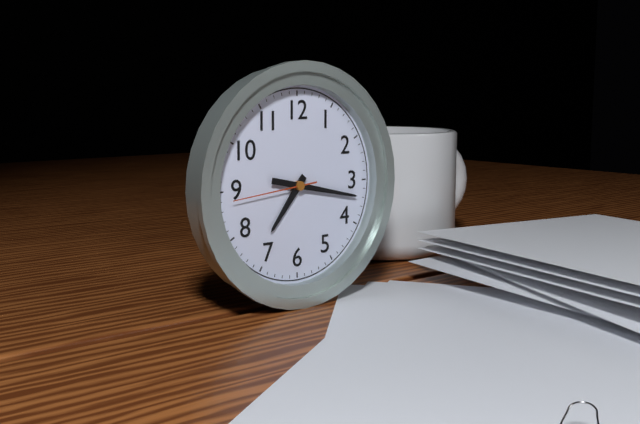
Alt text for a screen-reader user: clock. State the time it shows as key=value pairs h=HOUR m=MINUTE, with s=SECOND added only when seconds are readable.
h=7 m=17 s=44
